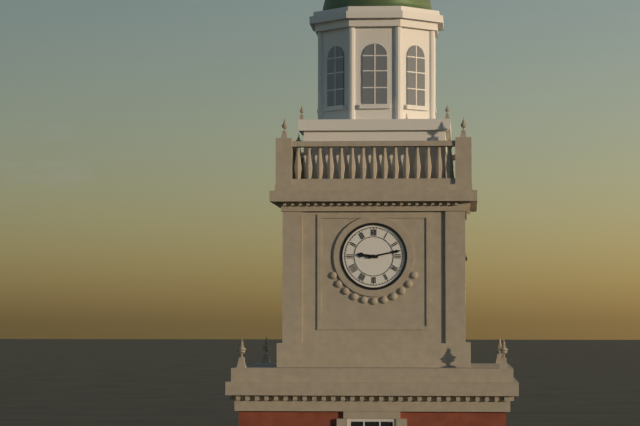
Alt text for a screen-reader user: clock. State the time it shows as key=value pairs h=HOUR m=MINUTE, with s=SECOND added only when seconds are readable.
h=9 m=13
